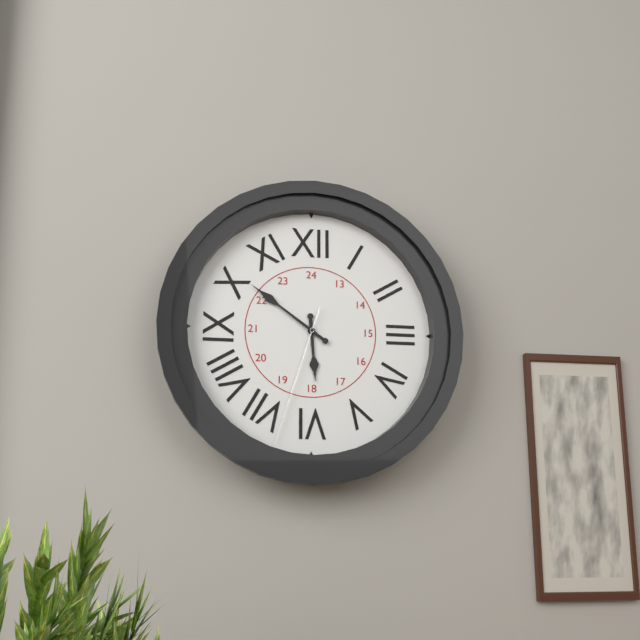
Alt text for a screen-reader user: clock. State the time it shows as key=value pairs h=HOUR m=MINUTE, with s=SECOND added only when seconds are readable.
h=5 m=51 s=33
